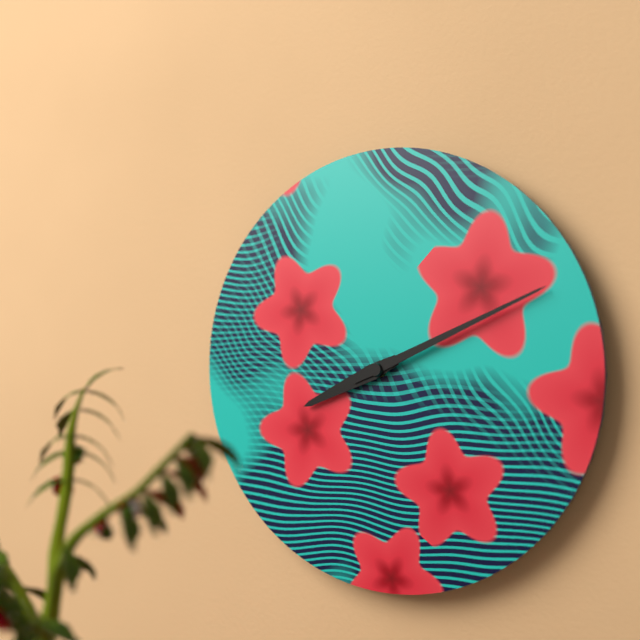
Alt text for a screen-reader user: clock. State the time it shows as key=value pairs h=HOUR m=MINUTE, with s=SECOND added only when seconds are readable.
h=8 m=11
